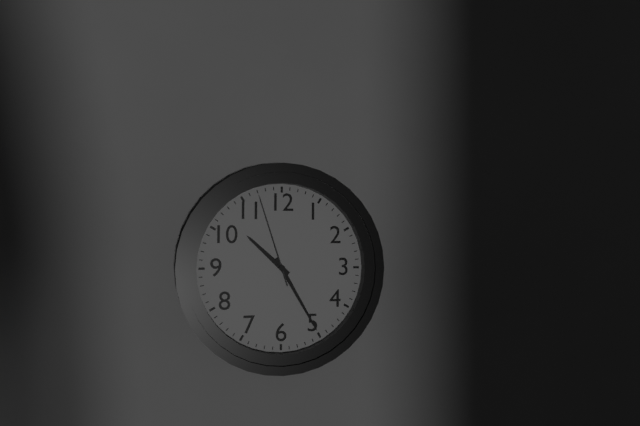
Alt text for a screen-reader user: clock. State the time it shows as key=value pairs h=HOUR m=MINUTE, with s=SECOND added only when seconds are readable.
h=10 m=25 s=57
